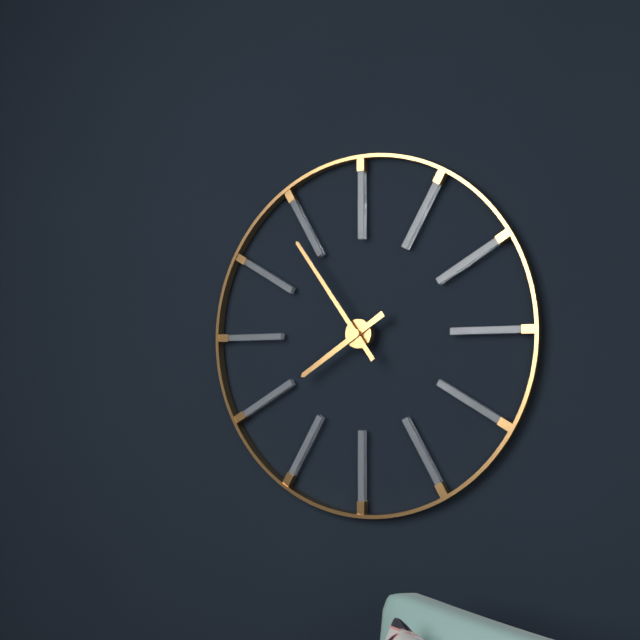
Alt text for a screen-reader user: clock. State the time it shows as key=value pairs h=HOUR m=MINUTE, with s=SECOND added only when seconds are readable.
h=7 m=54
